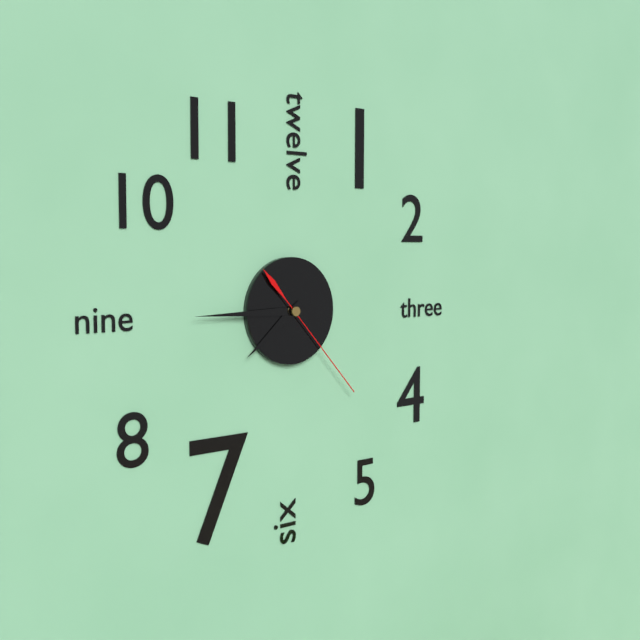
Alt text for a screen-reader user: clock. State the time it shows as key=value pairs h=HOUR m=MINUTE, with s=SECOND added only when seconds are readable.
h=7 m=45 s=23
